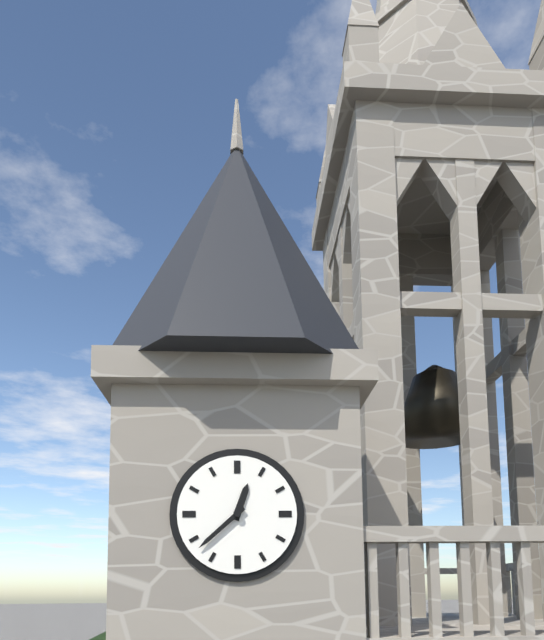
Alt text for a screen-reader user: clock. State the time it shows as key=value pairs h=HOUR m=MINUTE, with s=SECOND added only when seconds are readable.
h=12 m=38
